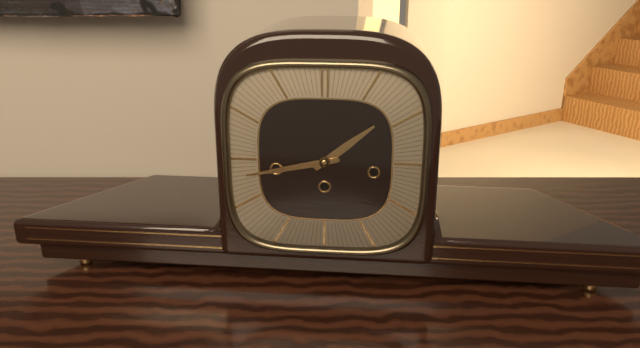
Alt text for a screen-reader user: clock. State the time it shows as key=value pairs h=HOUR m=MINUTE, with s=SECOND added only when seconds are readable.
h=1 m=43
